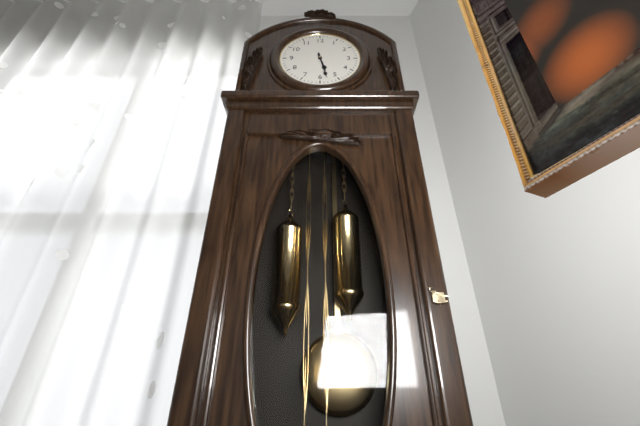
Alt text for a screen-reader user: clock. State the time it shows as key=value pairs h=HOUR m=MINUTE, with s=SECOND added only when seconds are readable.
h=5 m=28
